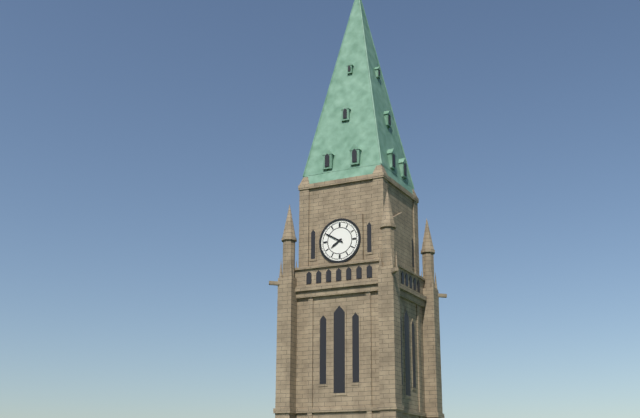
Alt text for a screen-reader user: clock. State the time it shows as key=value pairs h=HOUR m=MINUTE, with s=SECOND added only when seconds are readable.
h=7 m=50
